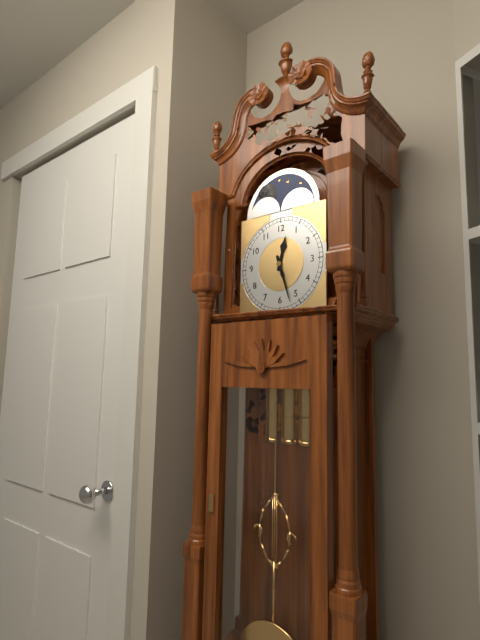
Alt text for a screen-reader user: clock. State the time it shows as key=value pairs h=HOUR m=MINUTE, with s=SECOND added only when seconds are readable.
h=12 m=27
